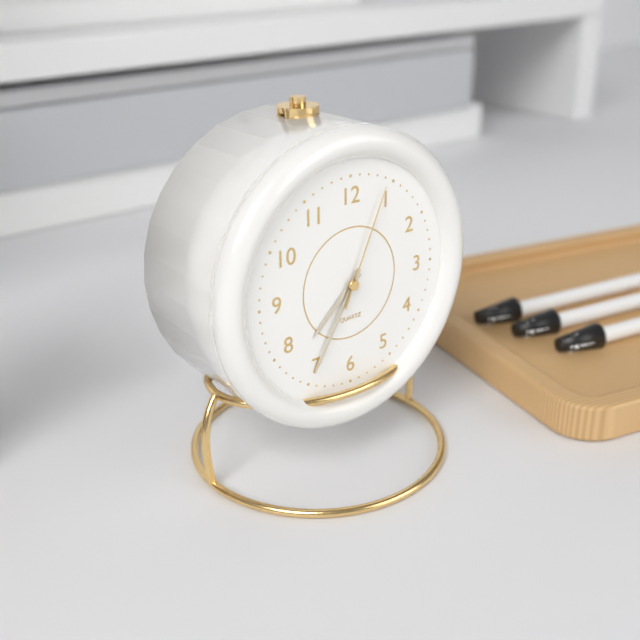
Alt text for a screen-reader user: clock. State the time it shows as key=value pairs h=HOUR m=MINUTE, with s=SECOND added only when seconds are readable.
h=7 m=35 s=4
